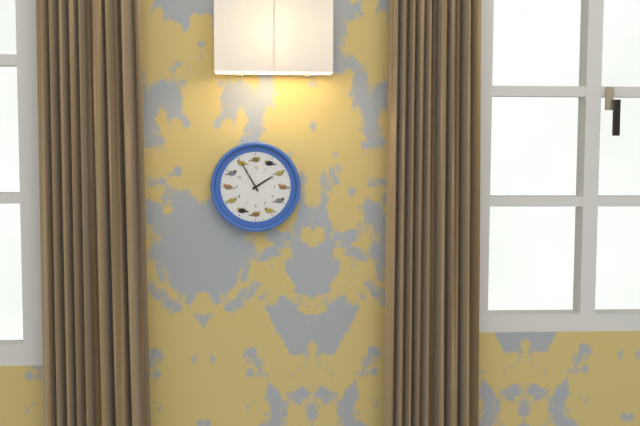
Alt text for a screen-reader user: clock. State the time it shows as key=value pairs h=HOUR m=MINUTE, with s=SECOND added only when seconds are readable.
h=1 m=55
